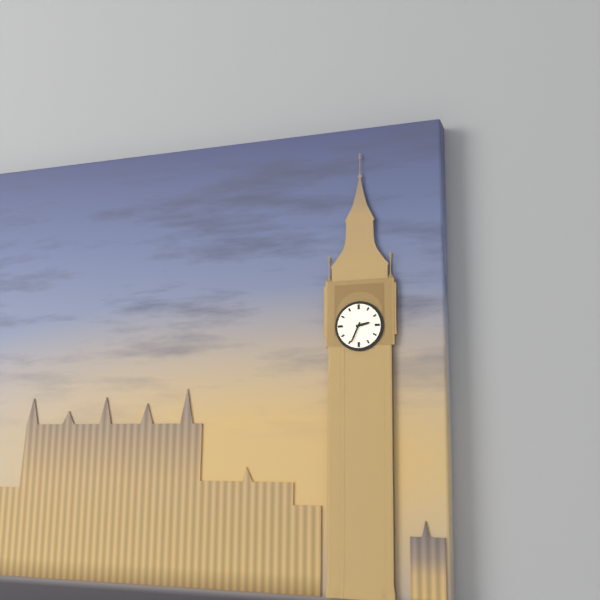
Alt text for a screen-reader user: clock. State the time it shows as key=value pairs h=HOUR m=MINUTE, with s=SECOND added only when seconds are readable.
h=2 m=34
